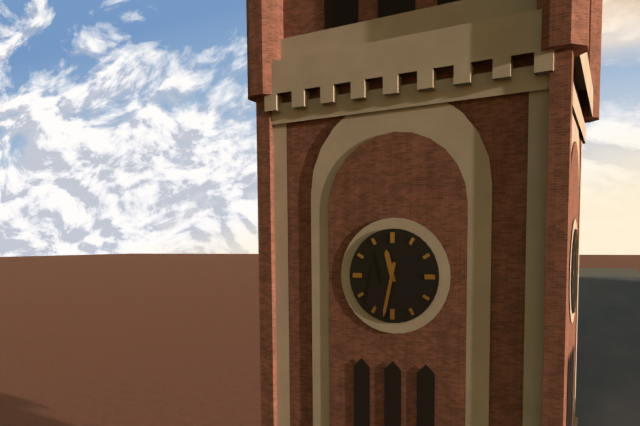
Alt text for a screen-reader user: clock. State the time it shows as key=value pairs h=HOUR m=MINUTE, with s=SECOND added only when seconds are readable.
h=11 m=32
